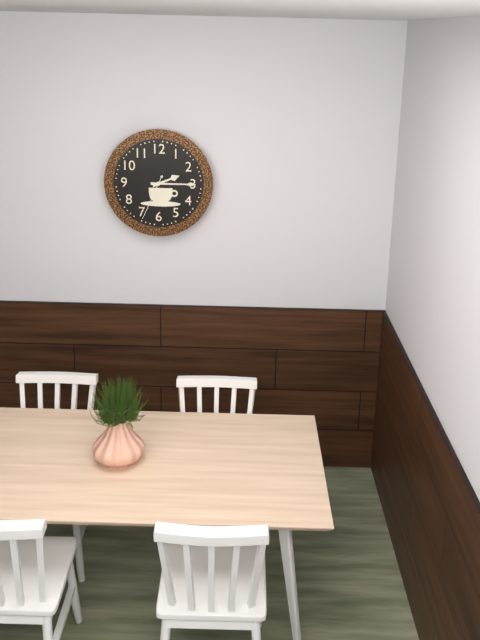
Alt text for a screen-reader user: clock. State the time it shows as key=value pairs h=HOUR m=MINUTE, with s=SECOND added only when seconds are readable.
h=2 m=15
